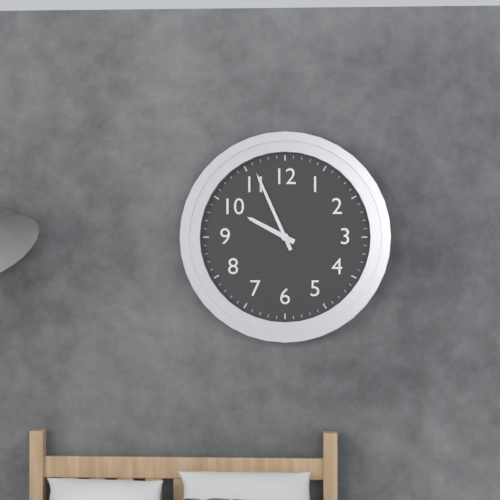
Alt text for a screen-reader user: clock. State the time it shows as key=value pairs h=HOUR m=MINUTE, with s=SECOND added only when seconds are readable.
h=9 m=56
